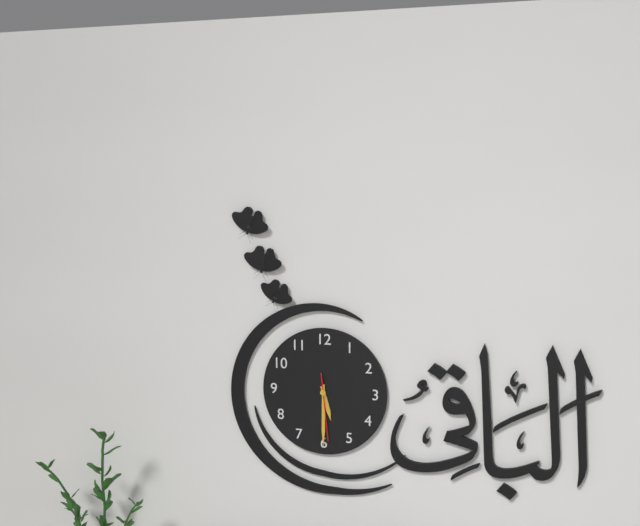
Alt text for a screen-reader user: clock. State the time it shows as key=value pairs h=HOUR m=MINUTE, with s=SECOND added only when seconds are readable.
h=5 m=30 s=29
